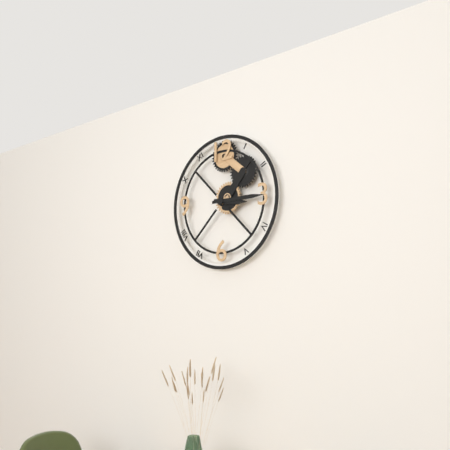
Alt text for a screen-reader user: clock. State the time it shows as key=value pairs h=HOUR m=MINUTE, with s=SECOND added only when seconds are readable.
h=3 m=15
